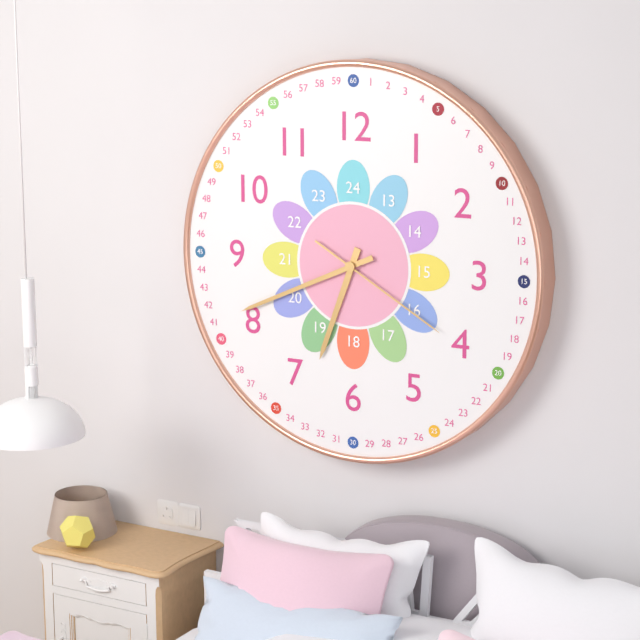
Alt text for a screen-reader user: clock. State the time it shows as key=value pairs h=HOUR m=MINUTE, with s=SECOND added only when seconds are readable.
h=6 m=41 s=20
